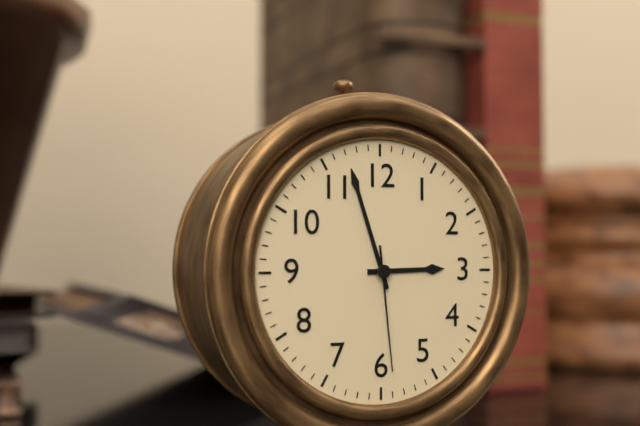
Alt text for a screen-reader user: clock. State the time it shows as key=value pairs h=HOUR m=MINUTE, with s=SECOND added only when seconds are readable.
h=2 m=57 s=29
